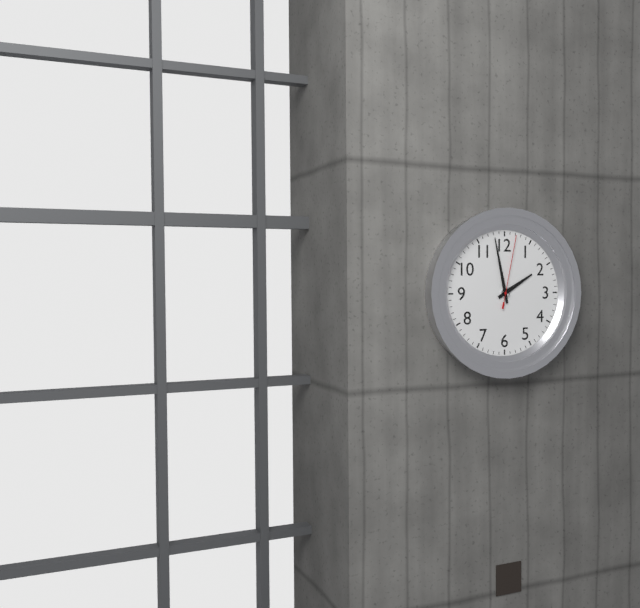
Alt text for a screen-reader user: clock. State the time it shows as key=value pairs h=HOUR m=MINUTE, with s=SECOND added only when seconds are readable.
h=1 m=58 s=2
